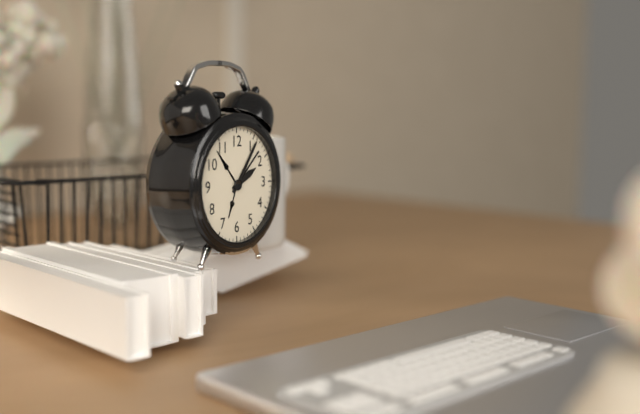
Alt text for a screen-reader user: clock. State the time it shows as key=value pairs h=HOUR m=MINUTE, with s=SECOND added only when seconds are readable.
h=2 m=6
